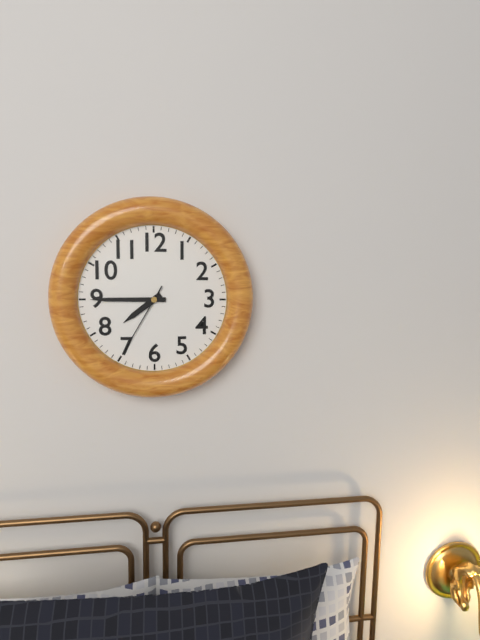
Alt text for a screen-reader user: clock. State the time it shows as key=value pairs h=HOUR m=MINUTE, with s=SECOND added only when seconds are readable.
h=7 m=45 s=35
